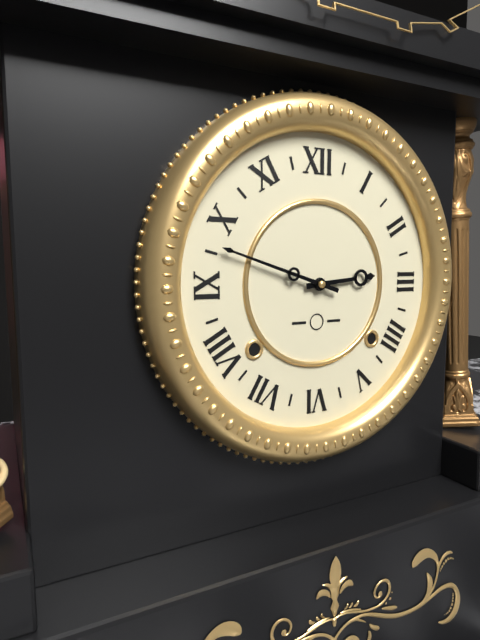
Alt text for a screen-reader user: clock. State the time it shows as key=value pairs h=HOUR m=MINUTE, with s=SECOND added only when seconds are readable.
h=2 m=48
